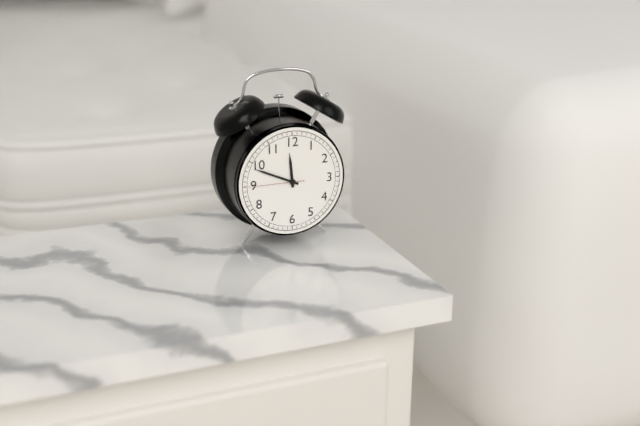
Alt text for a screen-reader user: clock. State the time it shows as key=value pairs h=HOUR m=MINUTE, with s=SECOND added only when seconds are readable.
h=11 m=49 s=45
